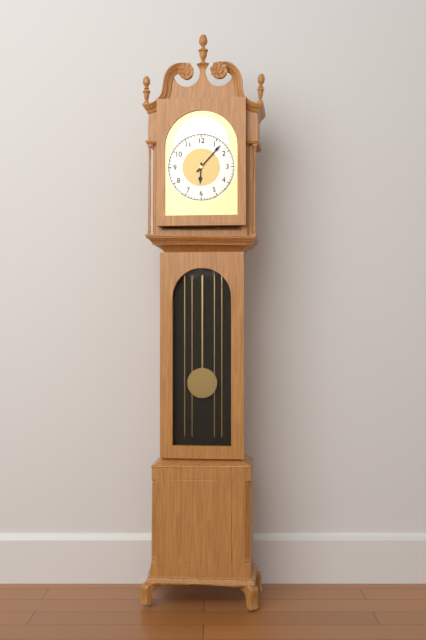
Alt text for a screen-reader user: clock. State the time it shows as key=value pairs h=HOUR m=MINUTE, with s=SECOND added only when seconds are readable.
h=6 m=7
